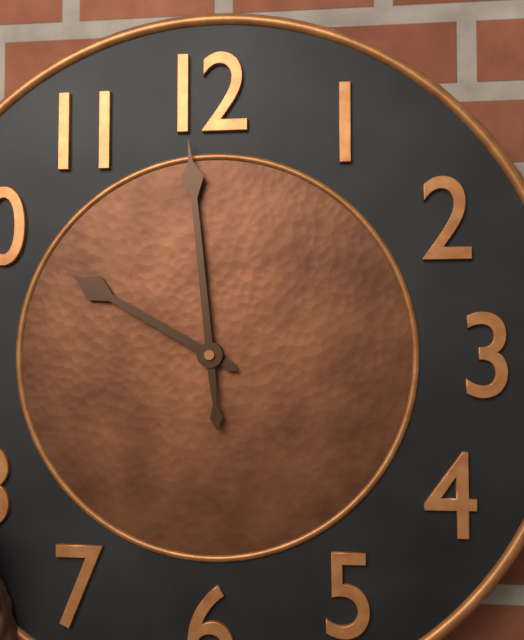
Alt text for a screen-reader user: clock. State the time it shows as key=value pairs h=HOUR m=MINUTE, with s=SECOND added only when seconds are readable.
h=9 m=59
